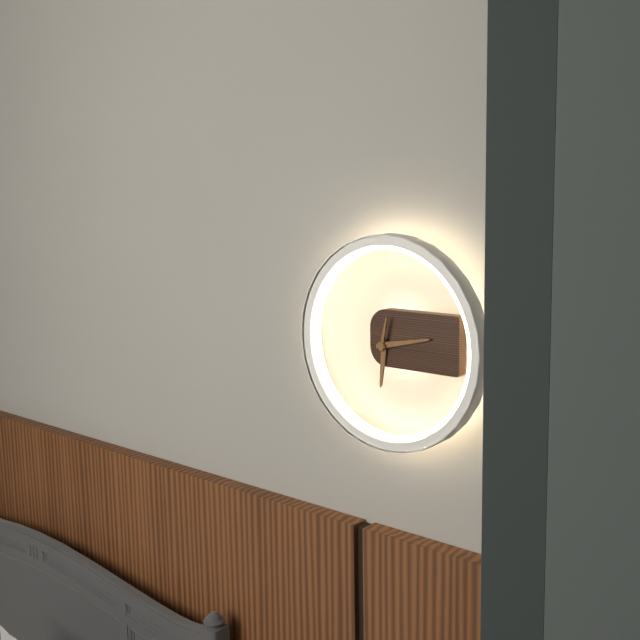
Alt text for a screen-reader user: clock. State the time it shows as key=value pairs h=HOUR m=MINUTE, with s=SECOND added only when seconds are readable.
h=6 m=13
